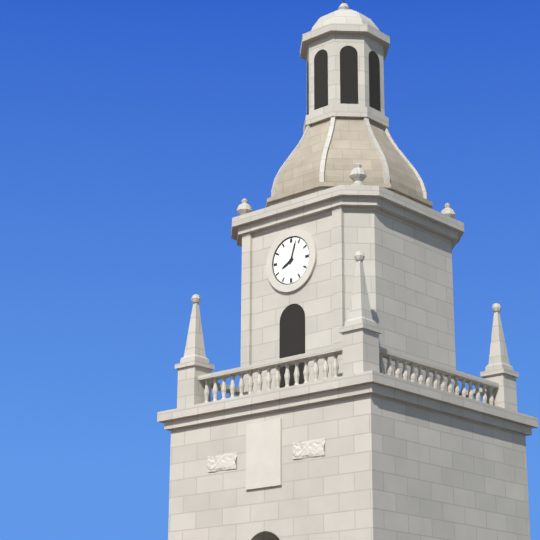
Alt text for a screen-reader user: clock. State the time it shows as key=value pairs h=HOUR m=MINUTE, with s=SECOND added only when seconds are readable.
h=8 m=3
